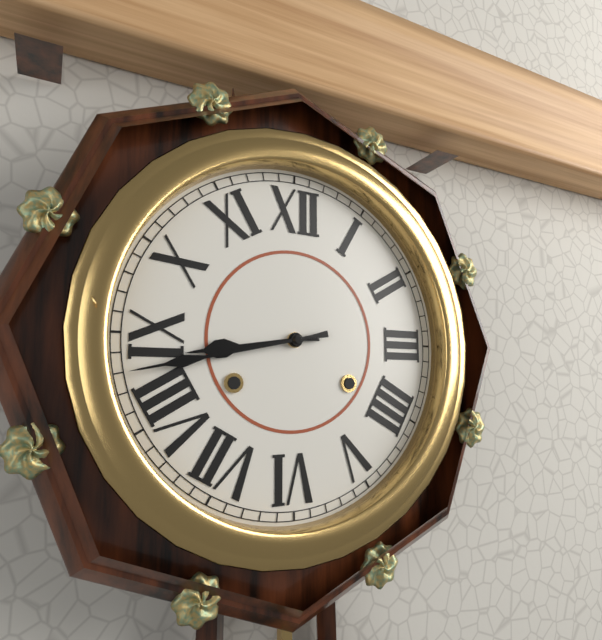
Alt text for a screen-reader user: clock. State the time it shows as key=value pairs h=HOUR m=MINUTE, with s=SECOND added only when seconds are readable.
h=8 m=43
